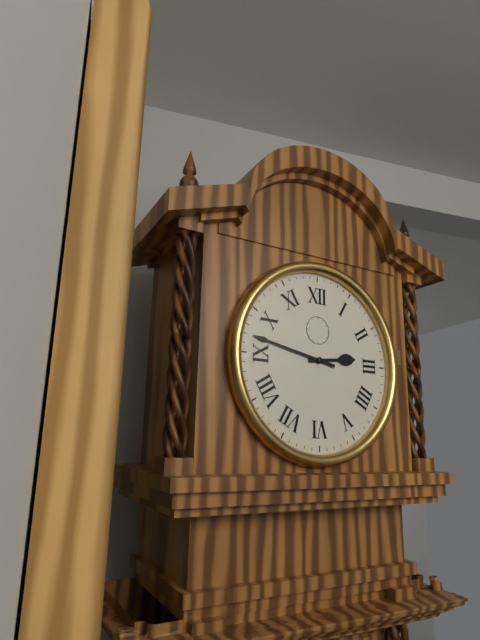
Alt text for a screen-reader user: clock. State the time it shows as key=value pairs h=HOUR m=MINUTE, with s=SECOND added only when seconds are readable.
h=2 m=47
